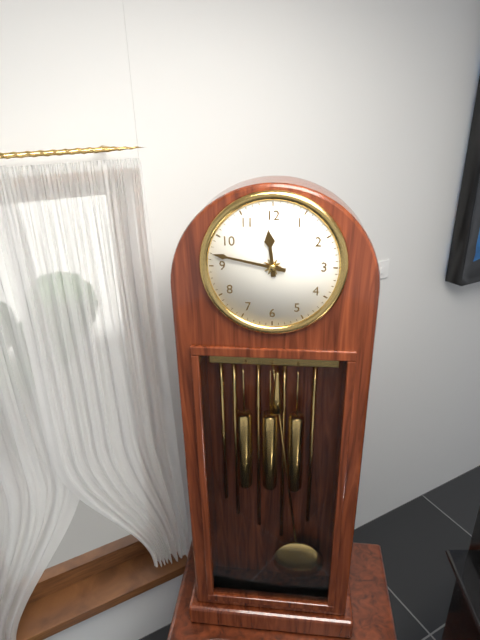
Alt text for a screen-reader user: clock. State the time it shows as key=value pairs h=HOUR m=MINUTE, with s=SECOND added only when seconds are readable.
h=11 m=47
